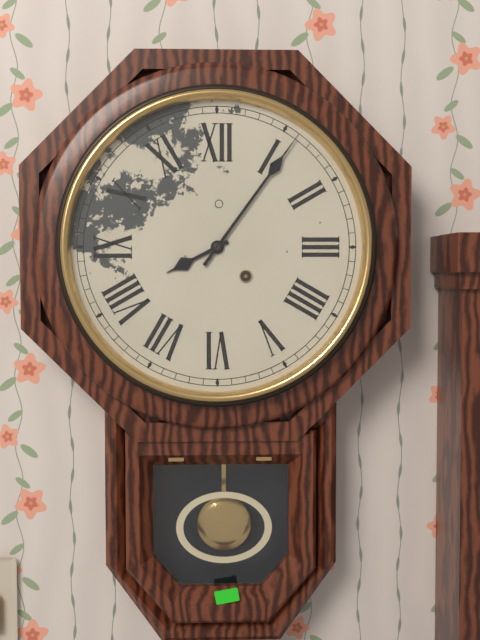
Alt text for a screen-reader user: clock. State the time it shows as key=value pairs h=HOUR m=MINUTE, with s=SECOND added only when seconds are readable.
h=8 m=6
